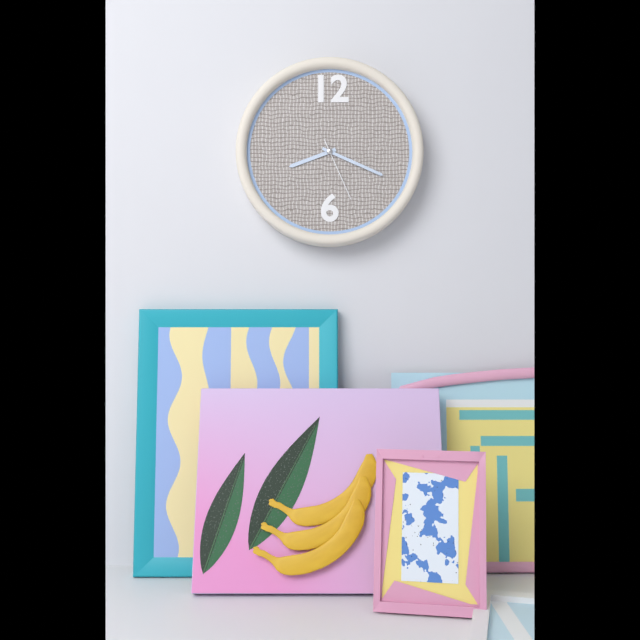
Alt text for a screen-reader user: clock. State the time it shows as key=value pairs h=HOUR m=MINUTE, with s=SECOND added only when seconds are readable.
h=8 m=19 s=26
